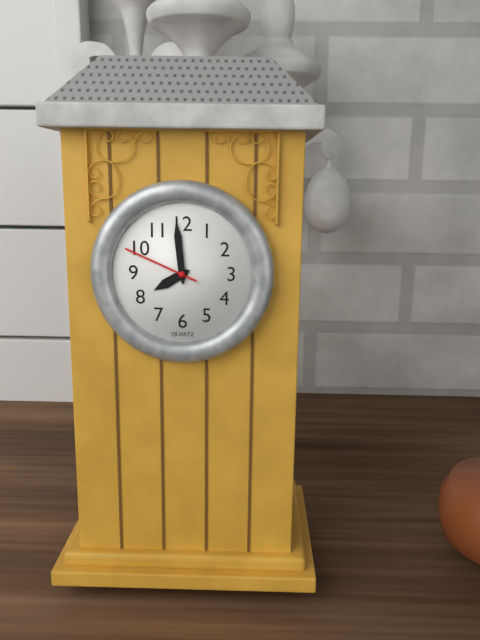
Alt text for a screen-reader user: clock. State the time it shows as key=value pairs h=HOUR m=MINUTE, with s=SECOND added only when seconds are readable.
h=7 m=59 s=49
